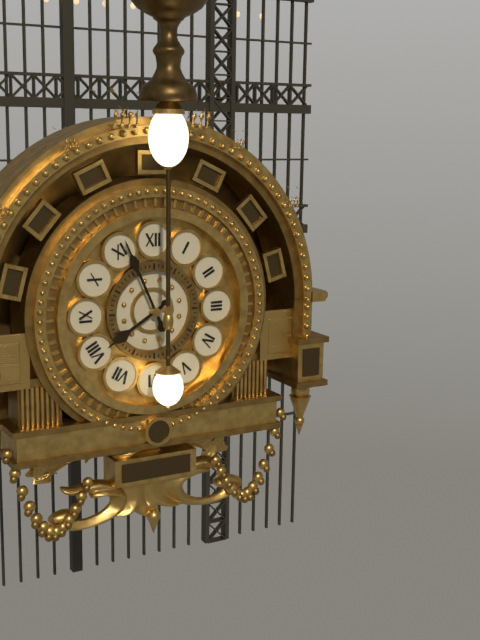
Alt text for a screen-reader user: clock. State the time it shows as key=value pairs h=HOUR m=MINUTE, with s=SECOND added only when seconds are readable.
h=7 m=56
